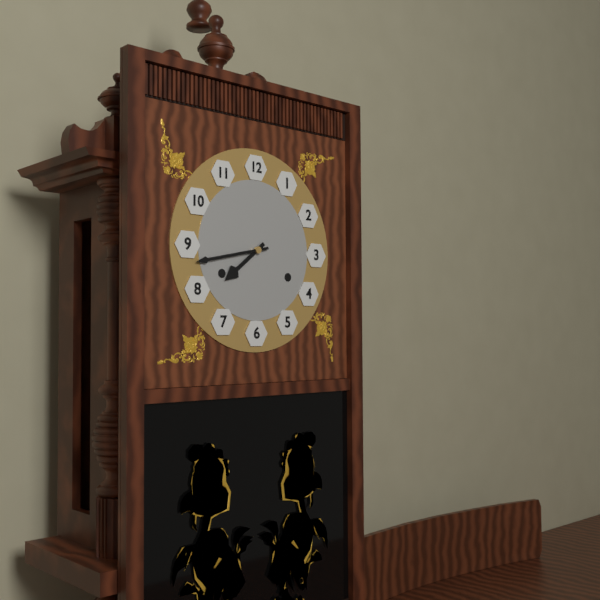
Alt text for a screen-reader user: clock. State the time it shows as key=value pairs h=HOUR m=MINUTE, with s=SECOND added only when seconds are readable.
h=7 m=43
